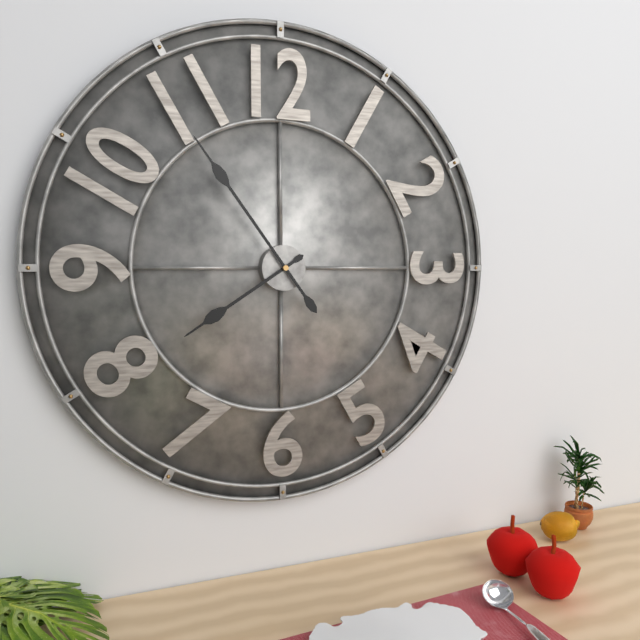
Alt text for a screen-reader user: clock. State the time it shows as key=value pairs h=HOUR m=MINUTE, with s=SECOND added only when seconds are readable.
h=7 m=54
